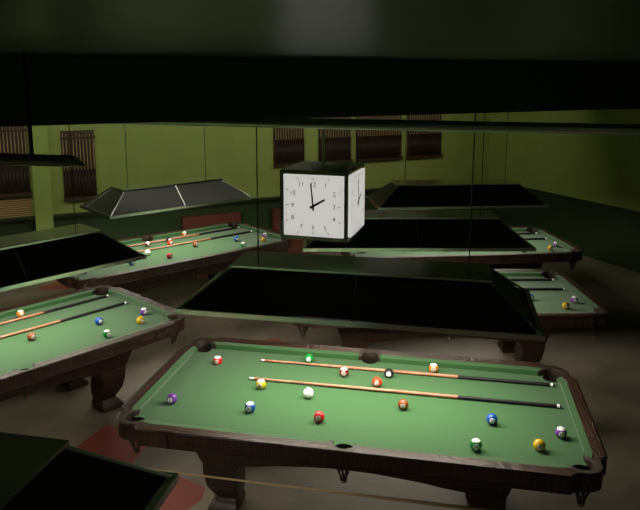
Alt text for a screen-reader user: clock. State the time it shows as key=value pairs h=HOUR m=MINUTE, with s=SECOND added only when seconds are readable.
h=1 m=59
